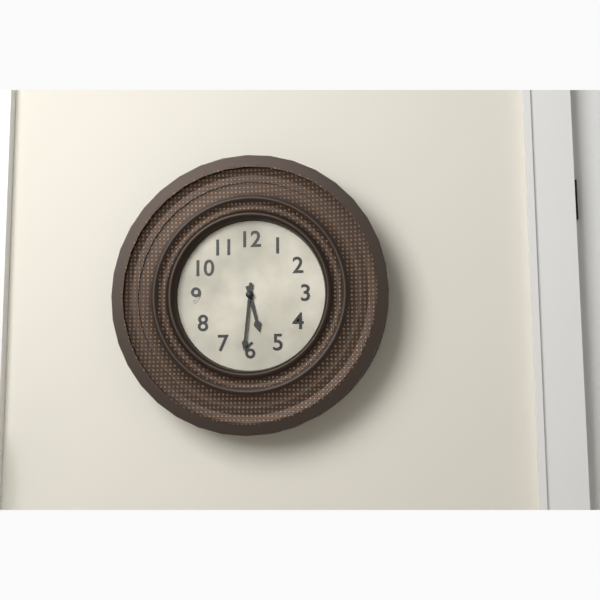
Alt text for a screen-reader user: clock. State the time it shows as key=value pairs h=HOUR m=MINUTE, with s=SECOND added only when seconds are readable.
h=5 m=31
